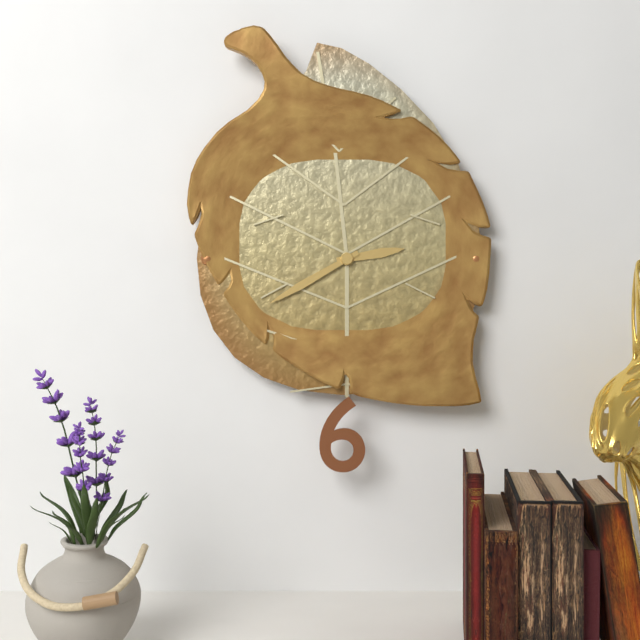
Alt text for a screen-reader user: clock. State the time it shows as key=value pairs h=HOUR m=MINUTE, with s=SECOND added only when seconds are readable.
h=2 m=40
